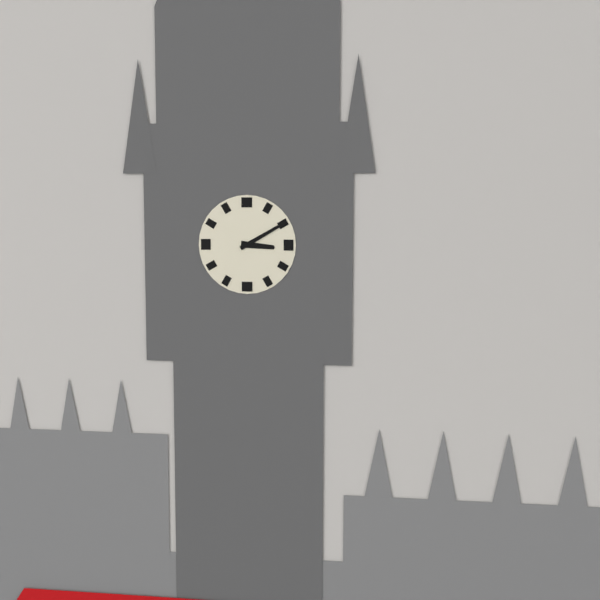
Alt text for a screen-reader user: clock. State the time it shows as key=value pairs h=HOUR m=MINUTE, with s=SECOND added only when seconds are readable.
h=3 m=10
